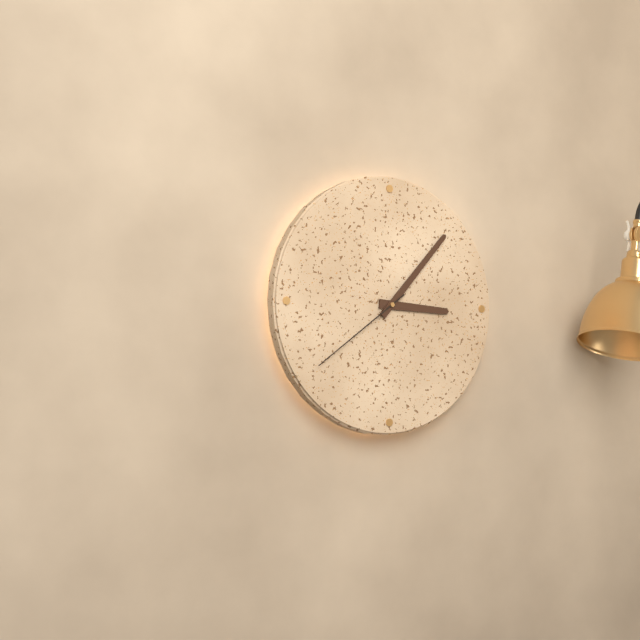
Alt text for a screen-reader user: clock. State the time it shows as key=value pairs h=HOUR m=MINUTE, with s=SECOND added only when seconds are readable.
h=3 m=7 s=39
